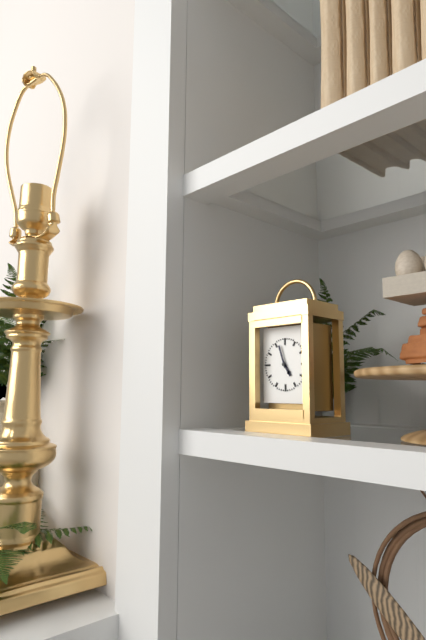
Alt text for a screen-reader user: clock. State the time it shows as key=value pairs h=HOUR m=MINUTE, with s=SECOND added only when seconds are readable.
h=4 m=57
